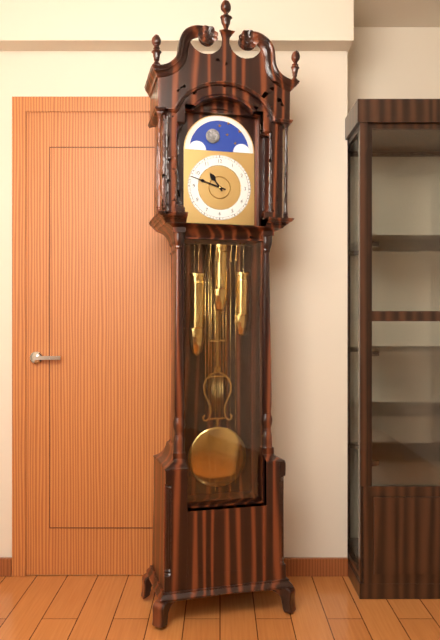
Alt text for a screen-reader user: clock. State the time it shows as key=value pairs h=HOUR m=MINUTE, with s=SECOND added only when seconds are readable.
h=10 m=48
